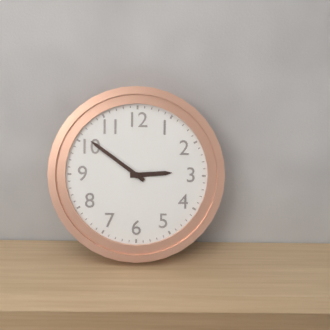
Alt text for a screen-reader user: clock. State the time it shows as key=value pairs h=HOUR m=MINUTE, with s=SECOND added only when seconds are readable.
h=2 m=51
